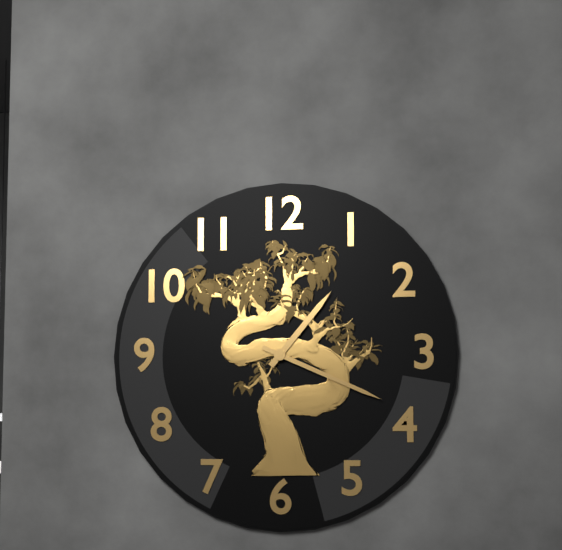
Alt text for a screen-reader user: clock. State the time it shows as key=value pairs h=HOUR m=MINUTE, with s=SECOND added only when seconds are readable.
h=1 m=19
